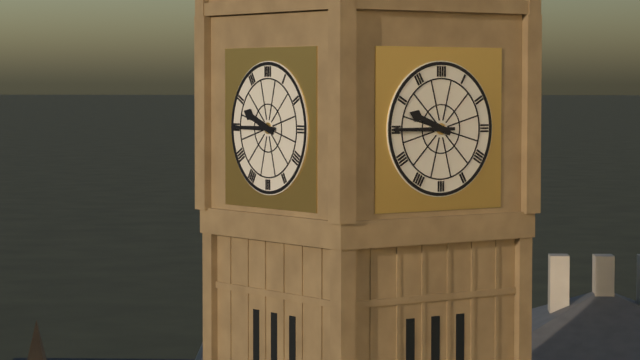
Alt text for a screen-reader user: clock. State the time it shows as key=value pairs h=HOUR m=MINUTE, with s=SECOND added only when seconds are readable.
h=9 m=45
